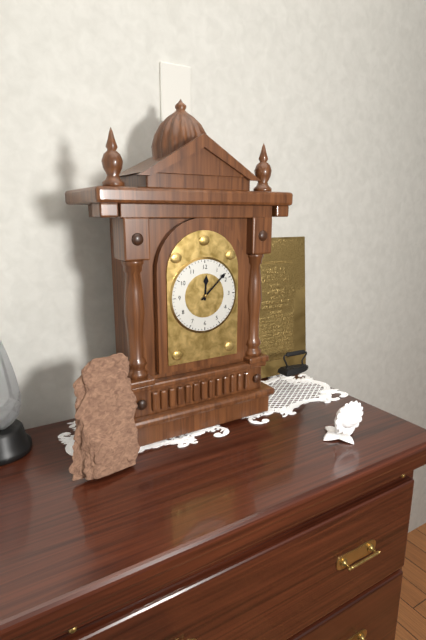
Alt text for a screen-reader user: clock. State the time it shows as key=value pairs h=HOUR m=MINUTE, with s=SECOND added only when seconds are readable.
h=12 m=8
